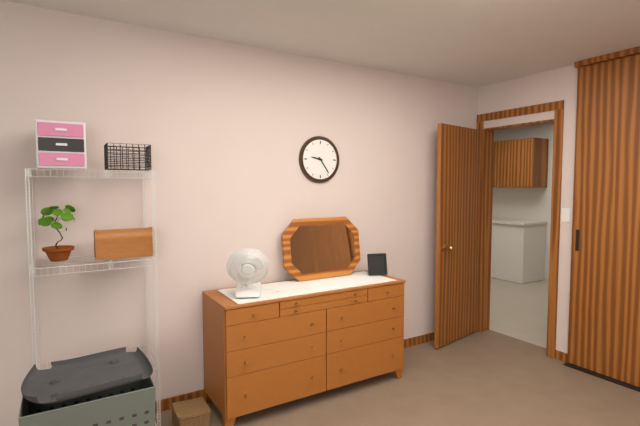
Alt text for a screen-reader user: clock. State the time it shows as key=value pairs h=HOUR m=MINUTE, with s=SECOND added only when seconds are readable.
h=9 m=24
